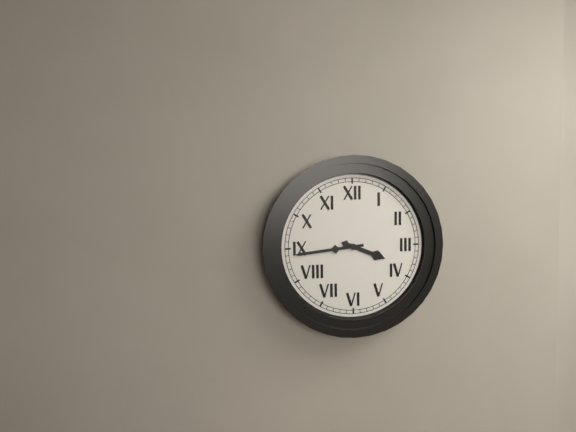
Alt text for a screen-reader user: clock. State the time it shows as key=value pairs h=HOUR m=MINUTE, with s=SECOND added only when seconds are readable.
h=3 m=44
